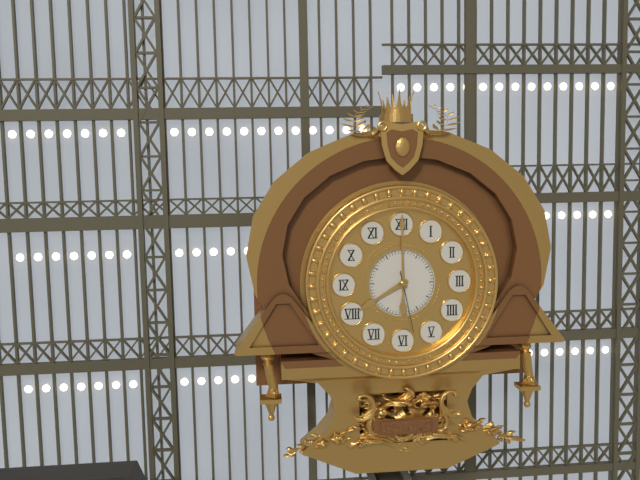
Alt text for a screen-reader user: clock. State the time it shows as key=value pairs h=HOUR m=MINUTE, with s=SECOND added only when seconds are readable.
h=8 m=0 s=28
